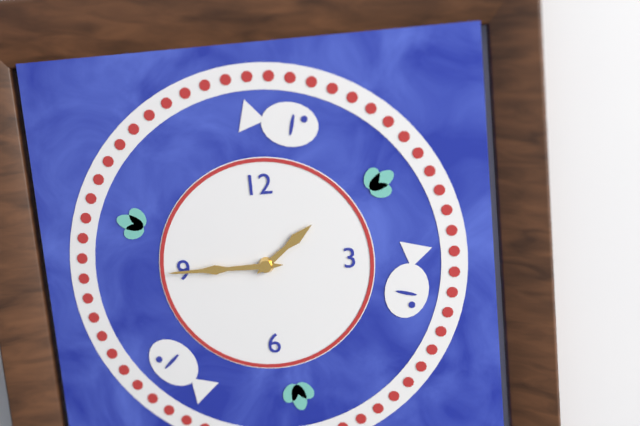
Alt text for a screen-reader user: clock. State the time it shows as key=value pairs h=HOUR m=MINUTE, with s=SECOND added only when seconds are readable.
h=1 m=45
